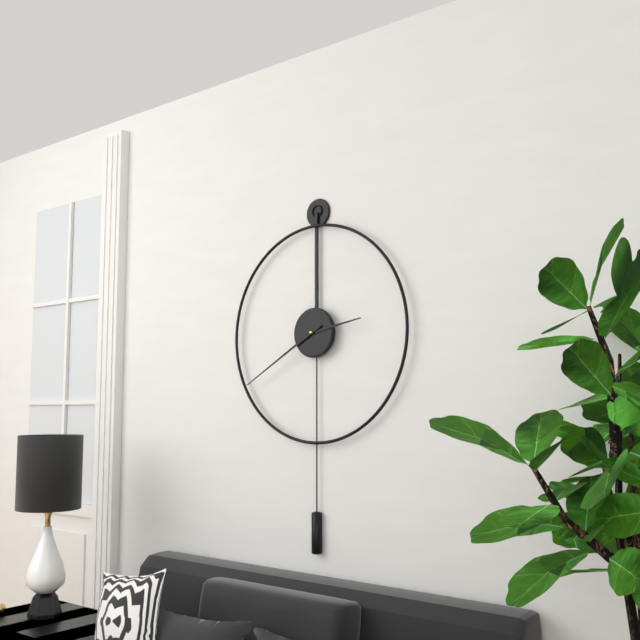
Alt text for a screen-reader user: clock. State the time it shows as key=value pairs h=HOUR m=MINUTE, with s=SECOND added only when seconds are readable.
h=2 m=40
